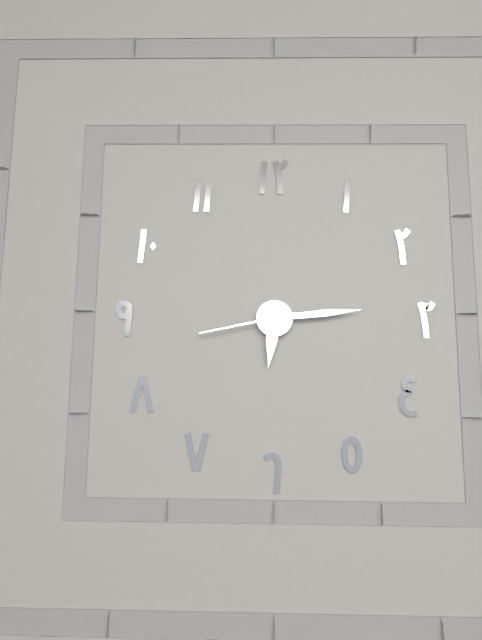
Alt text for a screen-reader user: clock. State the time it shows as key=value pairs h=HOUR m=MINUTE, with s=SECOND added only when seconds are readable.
h=6 m=14 s=43
